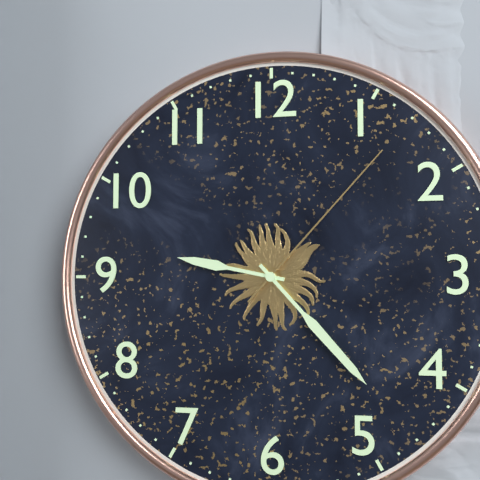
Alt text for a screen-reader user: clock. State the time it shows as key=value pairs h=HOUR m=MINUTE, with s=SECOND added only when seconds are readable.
h=9 m=23 s=7
